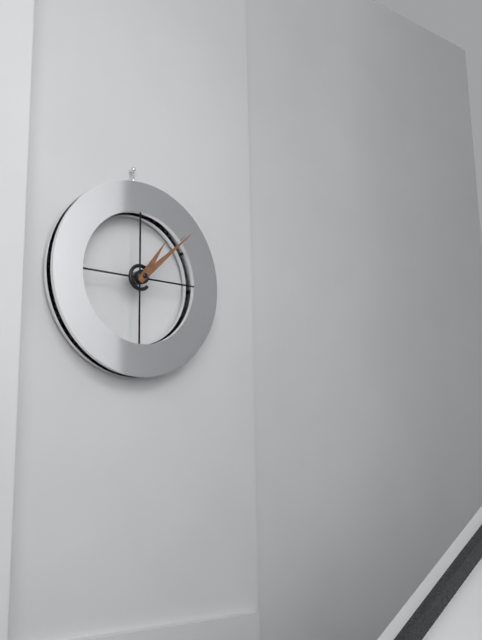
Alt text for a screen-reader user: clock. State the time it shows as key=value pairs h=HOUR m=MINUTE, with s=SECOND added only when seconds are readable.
h=1 m=8
